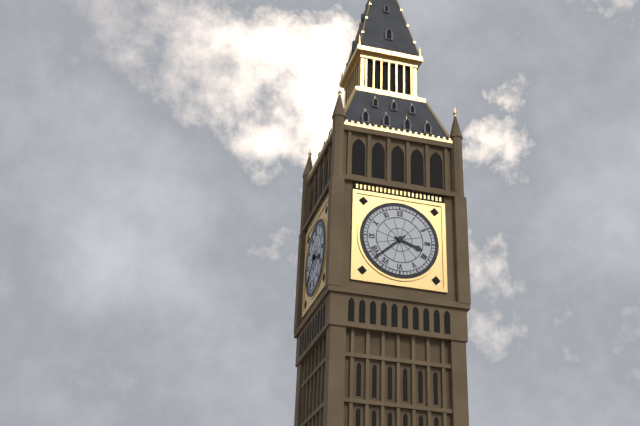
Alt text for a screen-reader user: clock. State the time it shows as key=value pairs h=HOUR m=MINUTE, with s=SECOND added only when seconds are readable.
h=3 m=38
